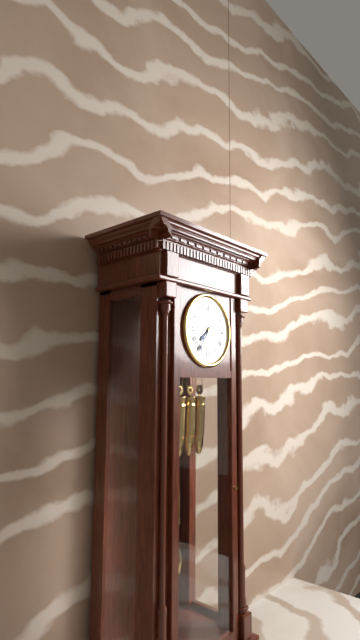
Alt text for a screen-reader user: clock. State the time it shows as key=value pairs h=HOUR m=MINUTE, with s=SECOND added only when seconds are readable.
h=7 m=36
